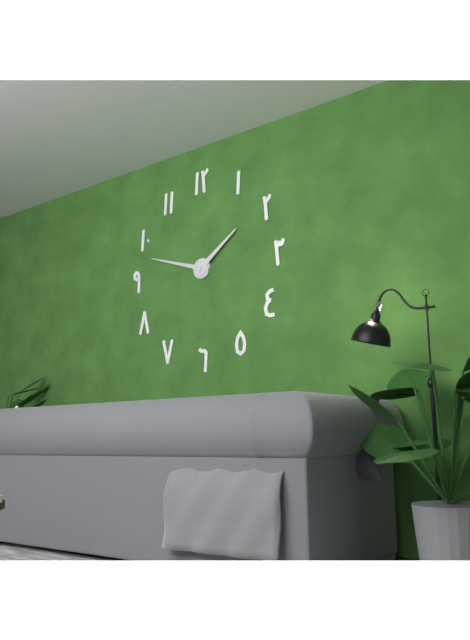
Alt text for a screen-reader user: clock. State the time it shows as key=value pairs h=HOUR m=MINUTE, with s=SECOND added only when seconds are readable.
h=1 m=48
